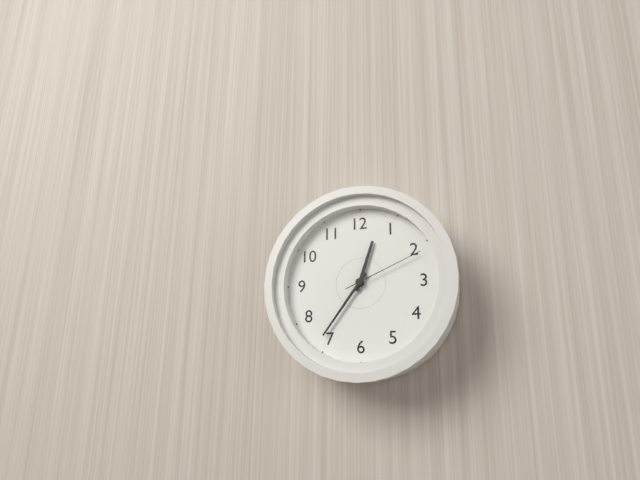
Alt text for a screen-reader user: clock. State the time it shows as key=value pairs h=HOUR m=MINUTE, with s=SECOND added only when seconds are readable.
h=12 m=36 s=11
